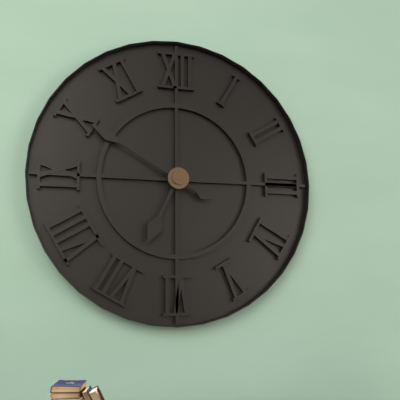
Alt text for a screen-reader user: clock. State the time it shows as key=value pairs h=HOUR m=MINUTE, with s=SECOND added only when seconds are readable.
h=6 m=50
